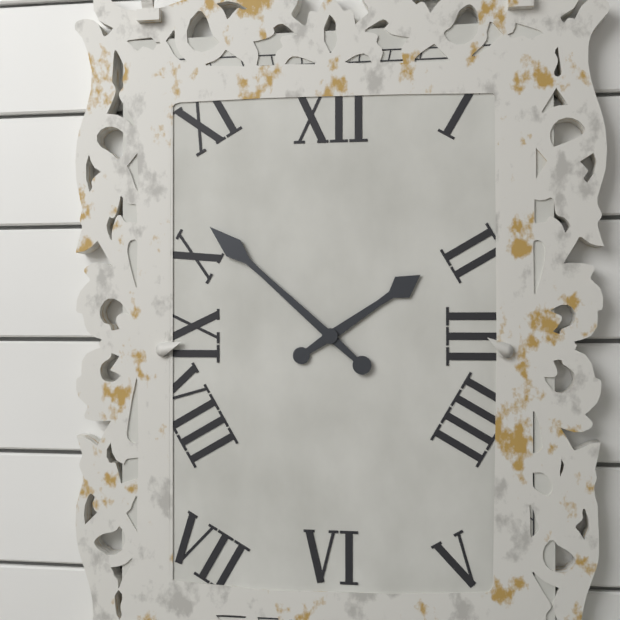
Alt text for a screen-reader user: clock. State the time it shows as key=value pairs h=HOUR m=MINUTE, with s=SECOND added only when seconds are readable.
h=1 m=52
